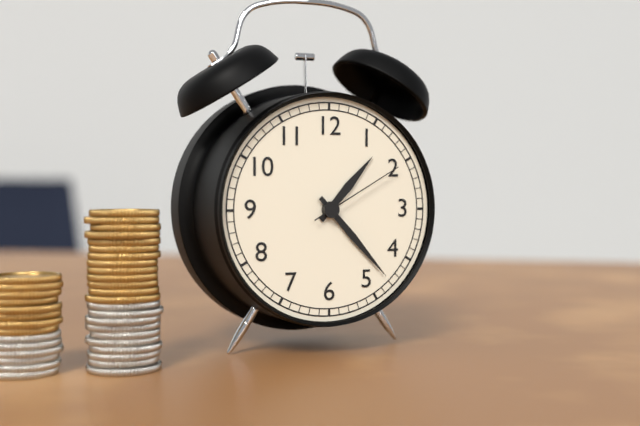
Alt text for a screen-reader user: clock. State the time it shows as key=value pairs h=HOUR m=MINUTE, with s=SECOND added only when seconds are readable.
h=1 m=23 s=10
